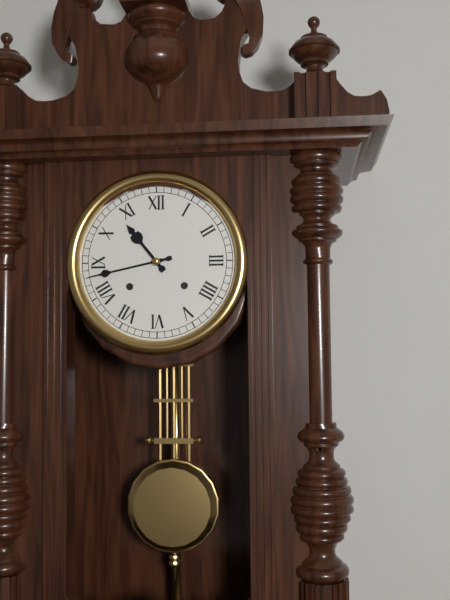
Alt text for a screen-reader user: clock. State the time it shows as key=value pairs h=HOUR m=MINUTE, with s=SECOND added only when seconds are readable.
h=10 m=43
